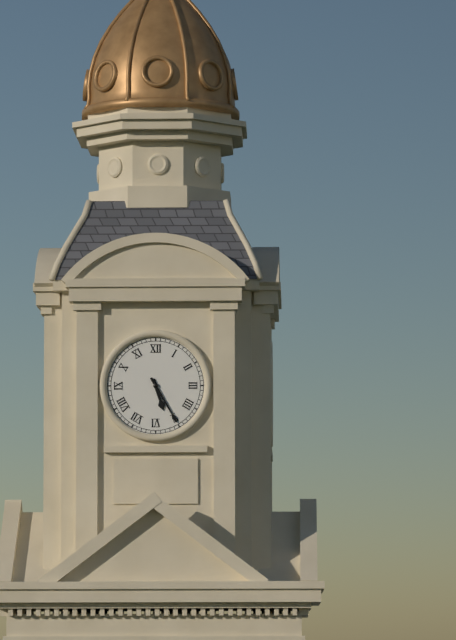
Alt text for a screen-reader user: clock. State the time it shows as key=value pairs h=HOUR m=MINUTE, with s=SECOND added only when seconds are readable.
h=5 m=25
